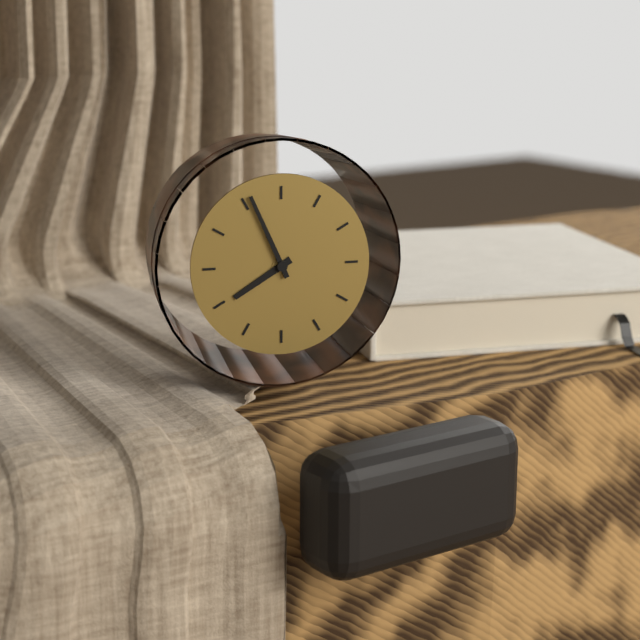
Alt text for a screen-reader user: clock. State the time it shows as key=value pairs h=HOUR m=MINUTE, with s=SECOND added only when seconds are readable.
h=7 m=56
